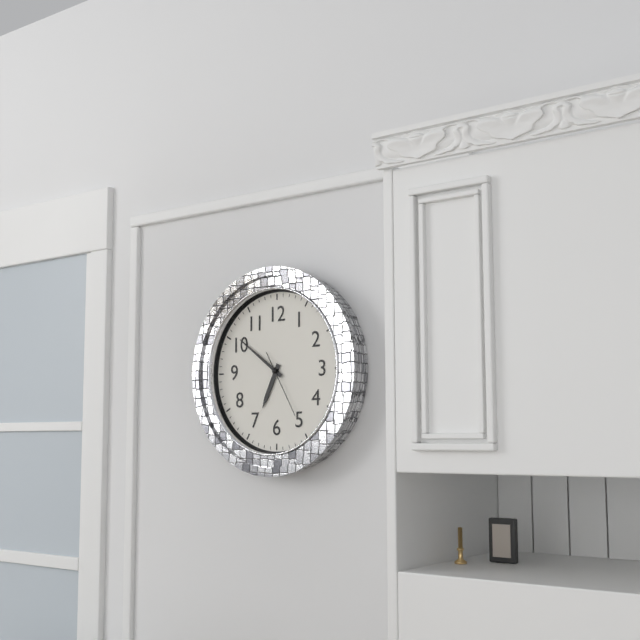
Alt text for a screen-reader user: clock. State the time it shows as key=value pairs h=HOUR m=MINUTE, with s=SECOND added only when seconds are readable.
h=6 m=51 s=25
